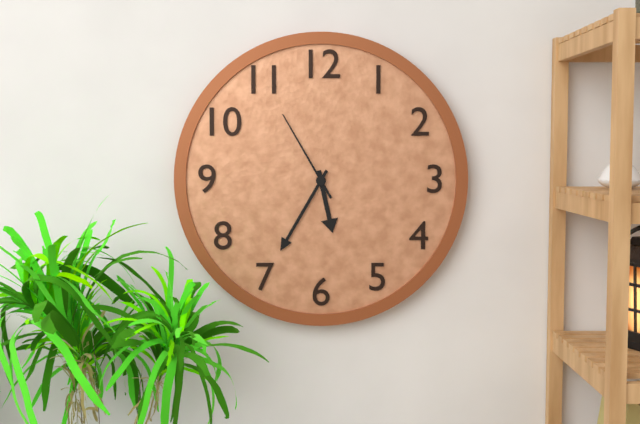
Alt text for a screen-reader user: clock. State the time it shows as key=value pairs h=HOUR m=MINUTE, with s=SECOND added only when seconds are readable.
h=5 m=35 s=55
